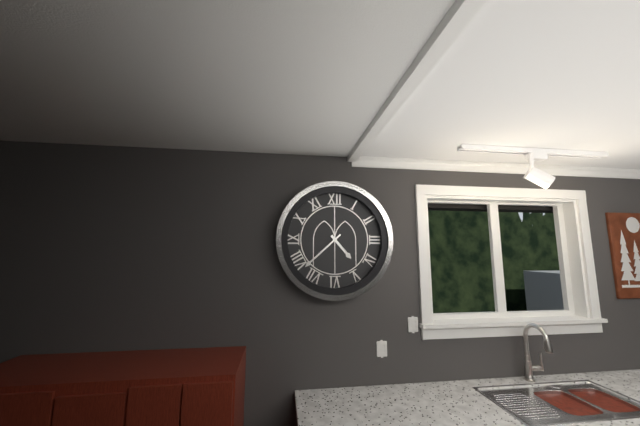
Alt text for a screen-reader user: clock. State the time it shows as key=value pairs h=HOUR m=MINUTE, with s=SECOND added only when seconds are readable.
h=4 m=38
